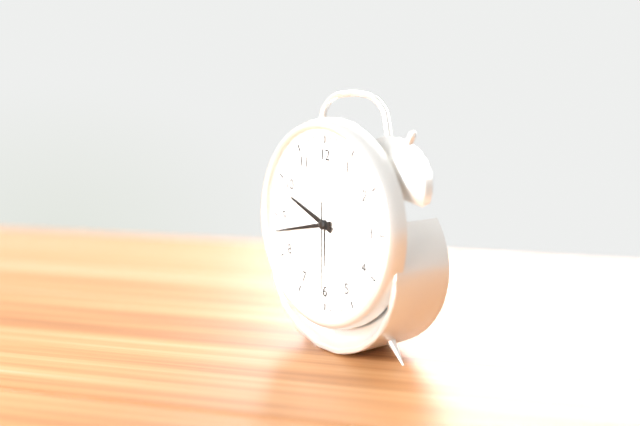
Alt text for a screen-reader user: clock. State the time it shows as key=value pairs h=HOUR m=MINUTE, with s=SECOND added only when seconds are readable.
h=9 m=43 s=30
